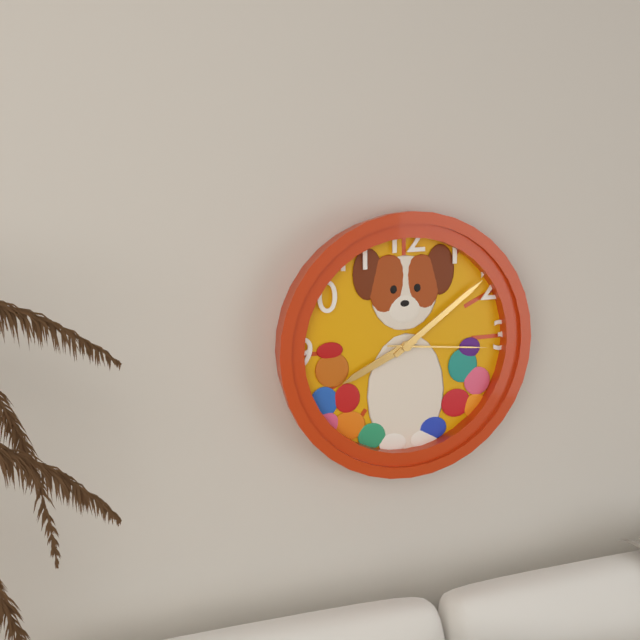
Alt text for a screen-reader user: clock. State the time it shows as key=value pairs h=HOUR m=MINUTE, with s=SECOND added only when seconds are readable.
h=8 m=9 s=16
